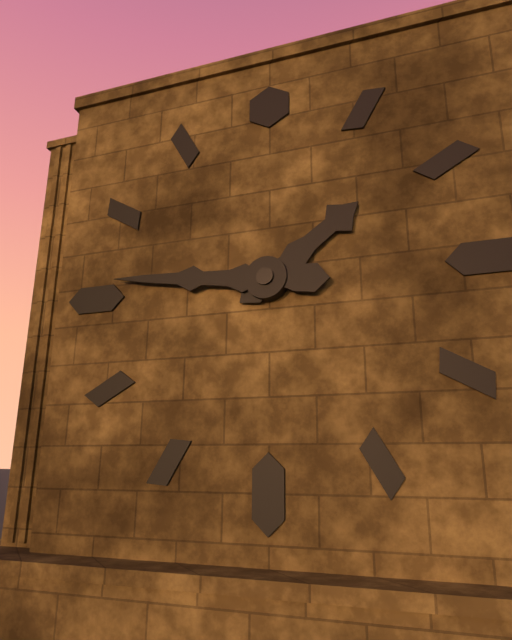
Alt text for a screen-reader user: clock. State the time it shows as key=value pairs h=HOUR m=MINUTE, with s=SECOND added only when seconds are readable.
h=1 m=46
